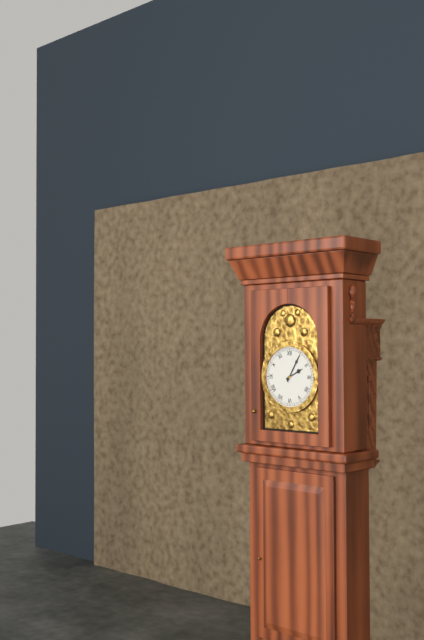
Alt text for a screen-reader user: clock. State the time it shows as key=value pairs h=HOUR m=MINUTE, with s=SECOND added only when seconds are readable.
h=2 m=5
